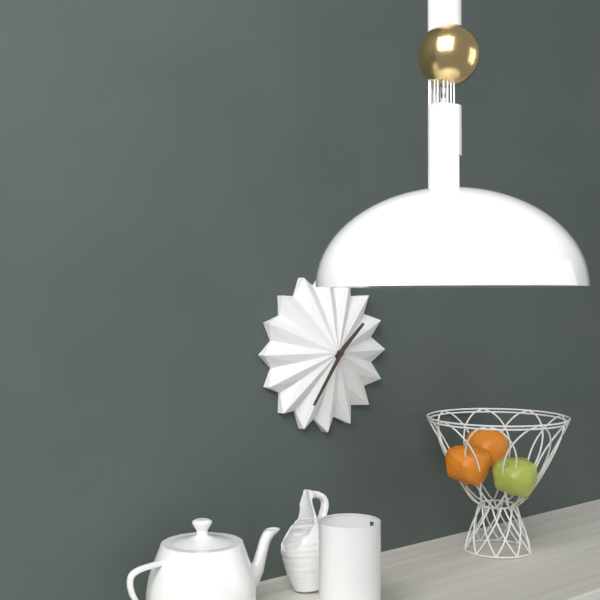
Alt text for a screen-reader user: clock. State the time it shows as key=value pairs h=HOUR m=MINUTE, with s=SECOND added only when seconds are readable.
h=1 m=36
